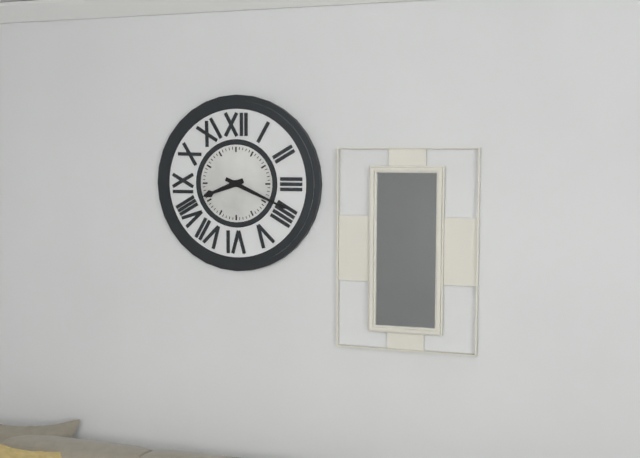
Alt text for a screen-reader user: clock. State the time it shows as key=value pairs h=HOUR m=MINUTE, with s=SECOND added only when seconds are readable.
h=8 m=19
